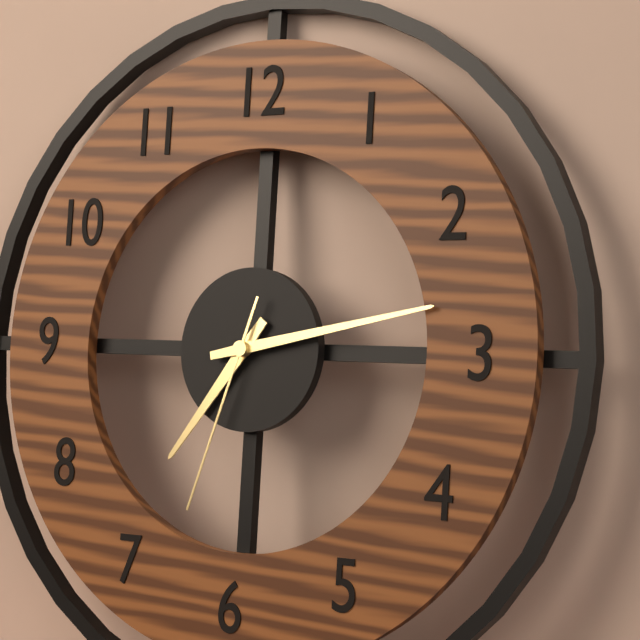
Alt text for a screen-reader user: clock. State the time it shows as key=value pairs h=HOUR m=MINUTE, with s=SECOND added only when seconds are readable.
h=7 m=13 s=33
